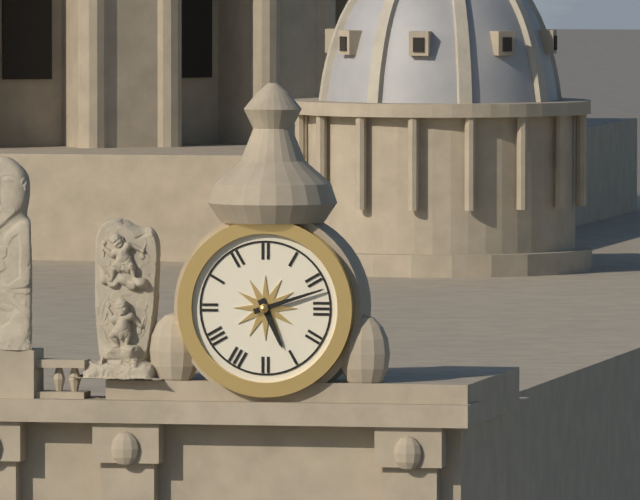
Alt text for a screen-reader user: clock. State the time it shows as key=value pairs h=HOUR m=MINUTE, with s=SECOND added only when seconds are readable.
h=5 m=12
